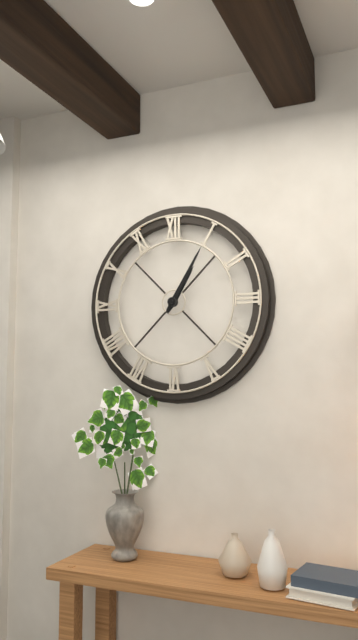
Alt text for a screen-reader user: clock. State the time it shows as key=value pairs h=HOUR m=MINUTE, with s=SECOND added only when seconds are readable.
h=1 m=5
